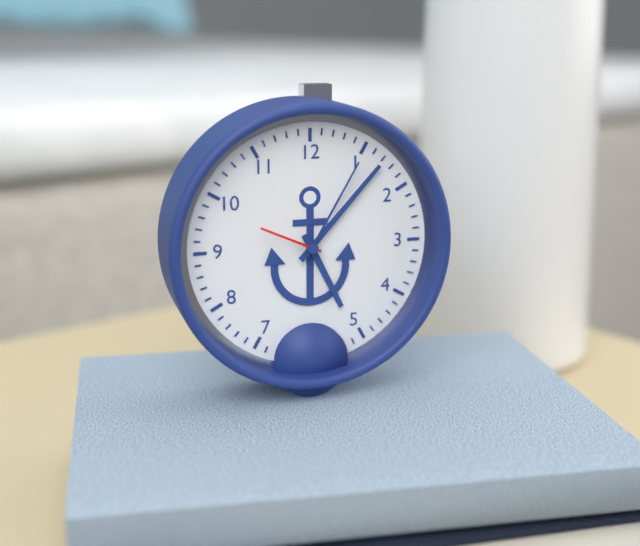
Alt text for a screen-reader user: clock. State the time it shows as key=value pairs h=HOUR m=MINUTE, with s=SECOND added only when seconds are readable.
h=5 m=7 s=49
